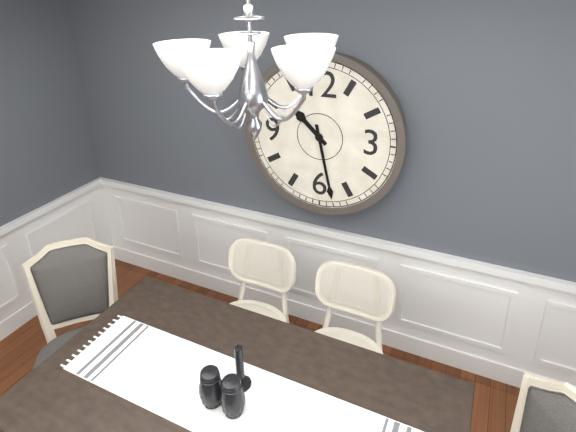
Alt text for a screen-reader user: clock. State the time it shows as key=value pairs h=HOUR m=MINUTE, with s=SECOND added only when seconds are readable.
h=10 m=28
